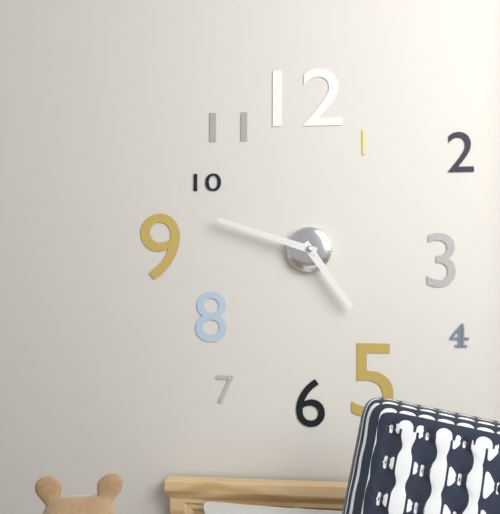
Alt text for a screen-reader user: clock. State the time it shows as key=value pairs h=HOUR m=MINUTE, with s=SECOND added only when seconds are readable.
h=4 m=48
